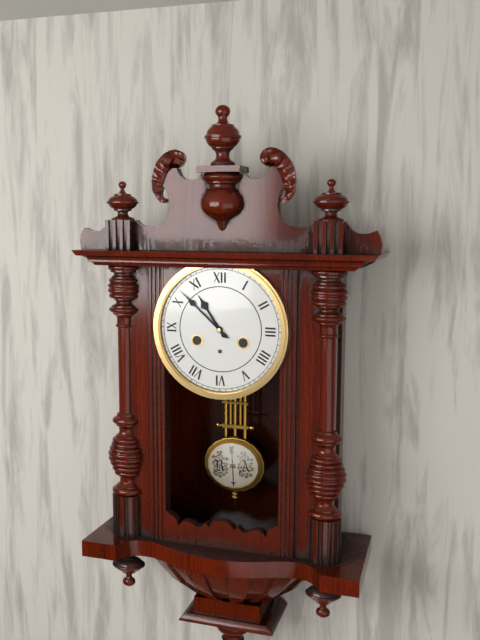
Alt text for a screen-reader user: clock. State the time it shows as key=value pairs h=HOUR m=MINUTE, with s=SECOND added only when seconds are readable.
h=10 m=52
